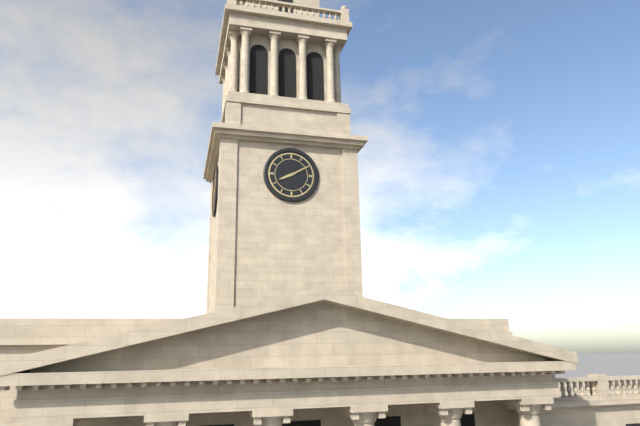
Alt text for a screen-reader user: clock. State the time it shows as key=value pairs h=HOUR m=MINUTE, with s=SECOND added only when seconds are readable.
h=8 m=10
